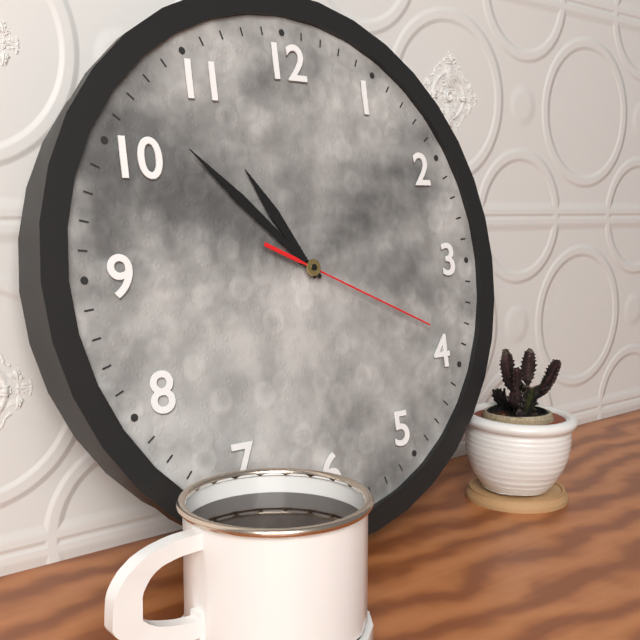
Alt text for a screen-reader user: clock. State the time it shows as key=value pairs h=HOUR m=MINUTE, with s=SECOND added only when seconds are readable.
h=10 m=52 s=19
